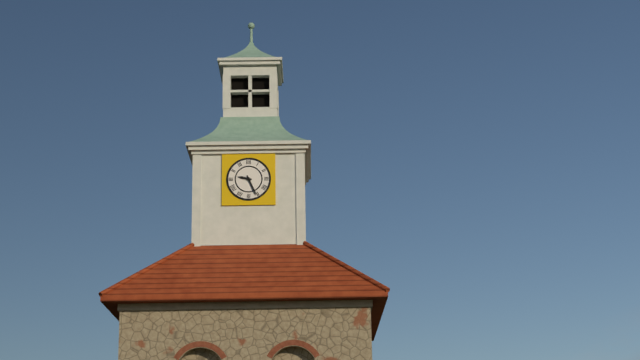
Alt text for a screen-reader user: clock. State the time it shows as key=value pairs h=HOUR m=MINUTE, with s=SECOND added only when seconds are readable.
h=9 m=26
